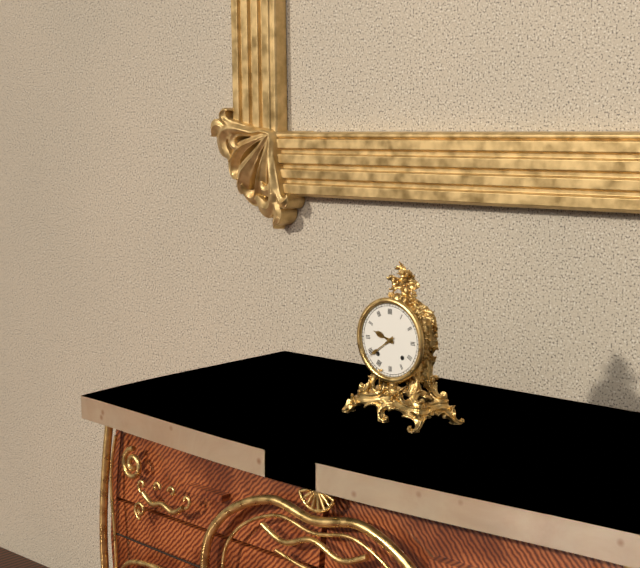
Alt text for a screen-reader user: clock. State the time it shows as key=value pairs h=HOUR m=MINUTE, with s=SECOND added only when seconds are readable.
h=9 m=39
